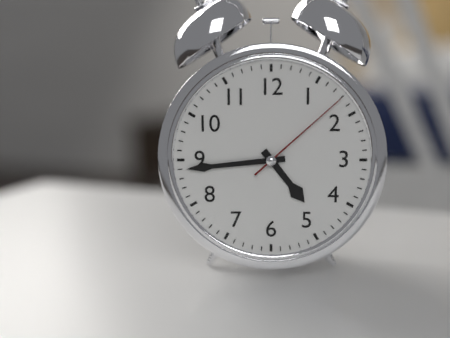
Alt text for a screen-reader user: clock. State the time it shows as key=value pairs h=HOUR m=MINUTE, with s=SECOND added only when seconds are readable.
h=4 m=44 s=8
